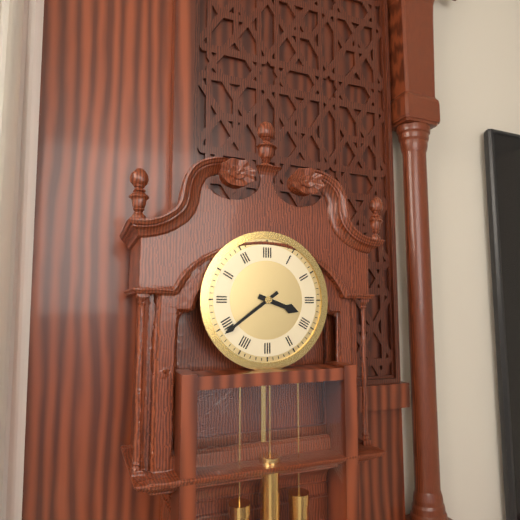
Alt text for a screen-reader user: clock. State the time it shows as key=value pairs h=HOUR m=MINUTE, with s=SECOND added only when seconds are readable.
h=3 m=39
